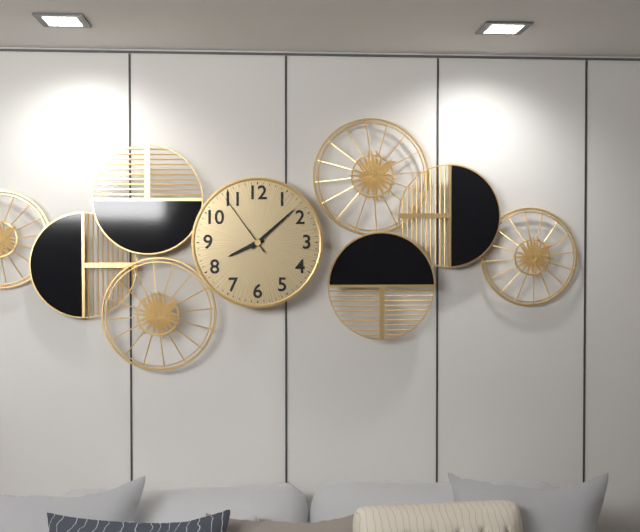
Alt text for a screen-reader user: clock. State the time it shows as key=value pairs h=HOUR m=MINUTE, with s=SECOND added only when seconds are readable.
h=8 m=8 s=54
